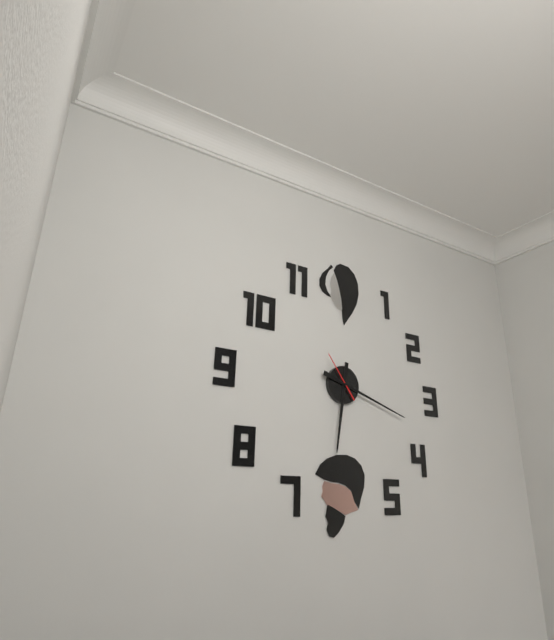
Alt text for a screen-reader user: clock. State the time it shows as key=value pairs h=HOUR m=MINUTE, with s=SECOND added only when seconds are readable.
h=6 m=18
